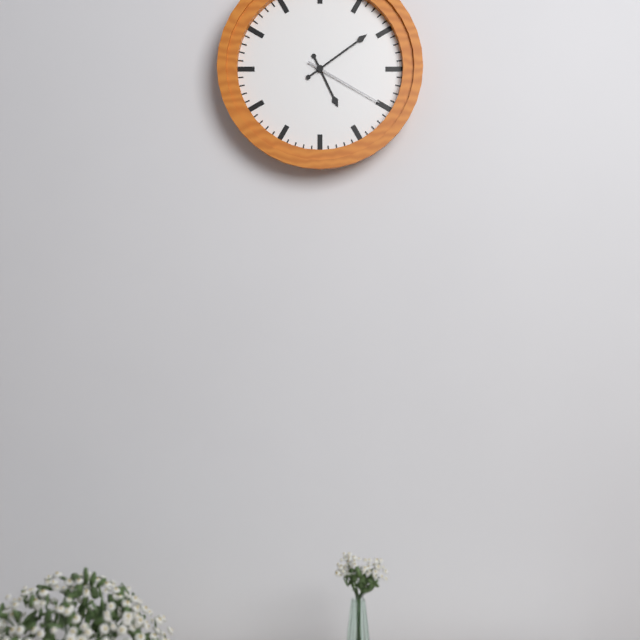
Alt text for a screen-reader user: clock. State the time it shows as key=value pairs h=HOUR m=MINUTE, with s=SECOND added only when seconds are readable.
h=5 m=9 s=20
